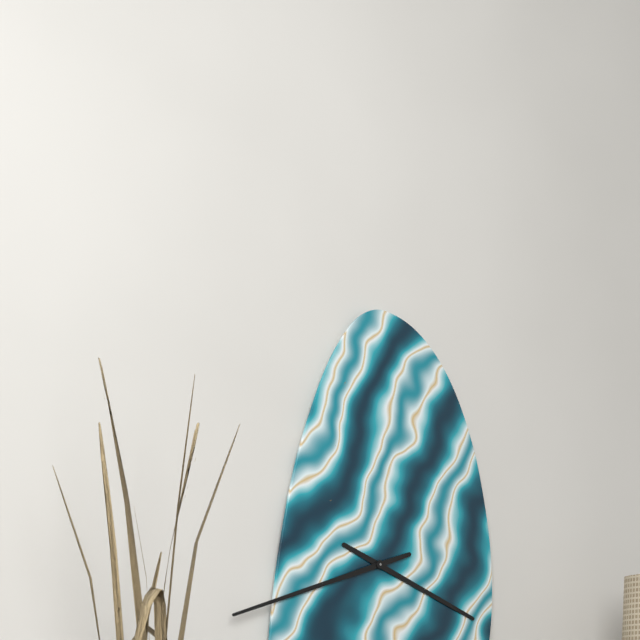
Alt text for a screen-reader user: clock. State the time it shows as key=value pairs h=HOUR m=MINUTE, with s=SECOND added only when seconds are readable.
h=3 m=42
